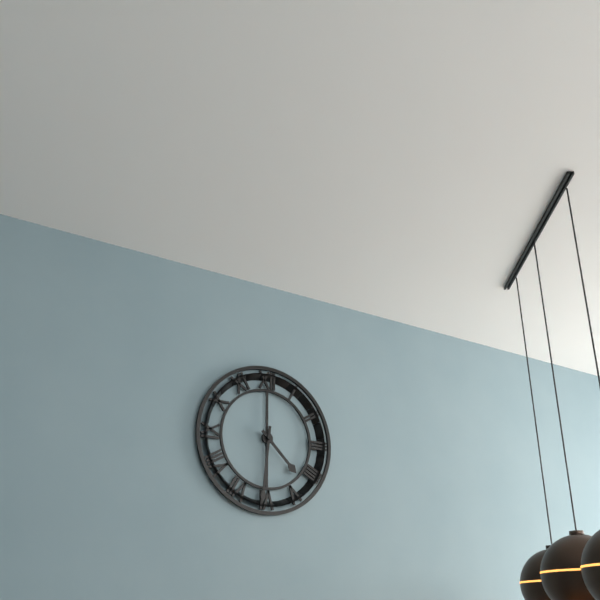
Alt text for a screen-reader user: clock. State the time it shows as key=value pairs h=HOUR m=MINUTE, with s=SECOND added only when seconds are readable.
h=4 m=31
